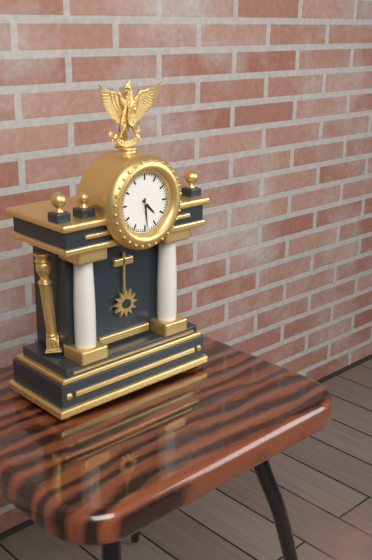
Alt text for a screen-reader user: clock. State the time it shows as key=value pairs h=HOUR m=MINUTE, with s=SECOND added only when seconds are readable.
h=4 m=29
